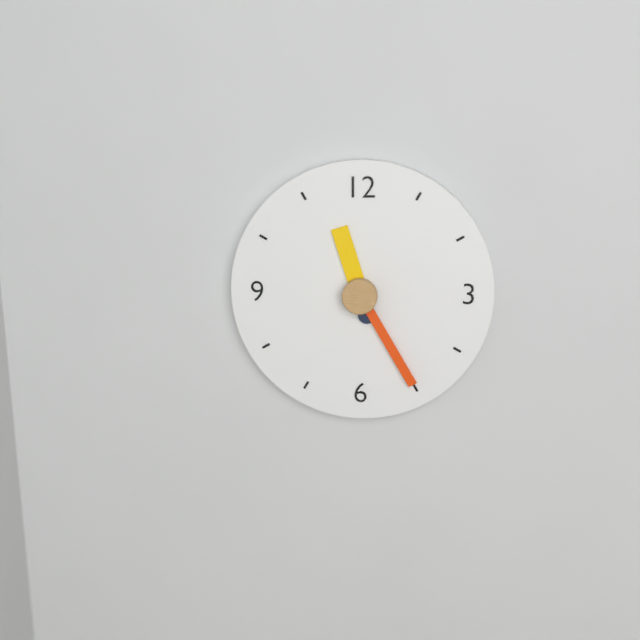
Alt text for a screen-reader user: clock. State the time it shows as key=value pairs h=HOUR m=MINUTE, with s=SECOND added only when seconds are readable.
h=11 m=25
